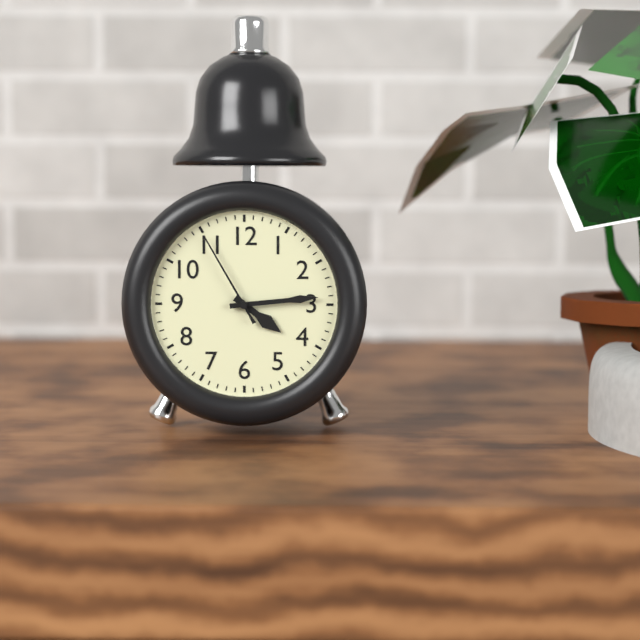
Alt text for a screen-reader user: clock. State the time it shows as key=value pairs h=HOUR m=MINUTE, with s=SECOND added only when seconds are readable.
h=4 m=14 s=55
